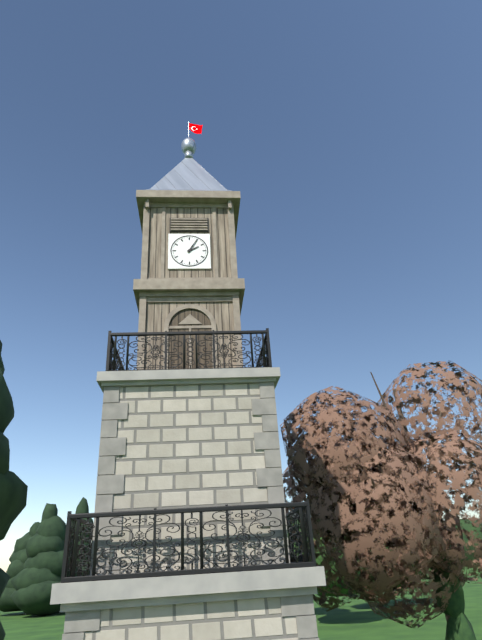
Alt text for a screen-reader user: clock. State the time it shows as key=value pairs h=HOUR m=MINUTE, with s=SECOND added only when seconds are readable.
h=2 m=5
